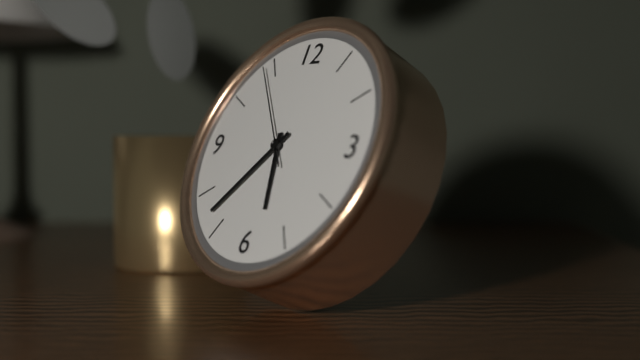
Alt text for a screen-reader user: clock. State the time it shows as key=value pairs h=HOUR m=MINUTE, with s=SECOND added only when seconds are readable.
h=5 m=37 s=54
